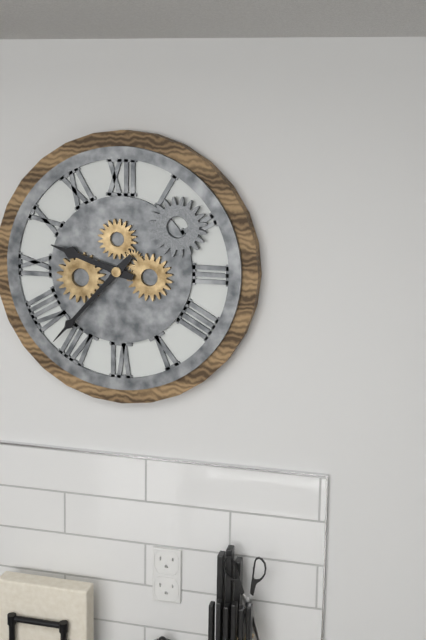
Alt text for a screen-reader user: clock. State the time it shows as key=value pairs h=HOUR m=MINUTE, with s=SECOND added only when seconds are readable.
h=9 m=37
